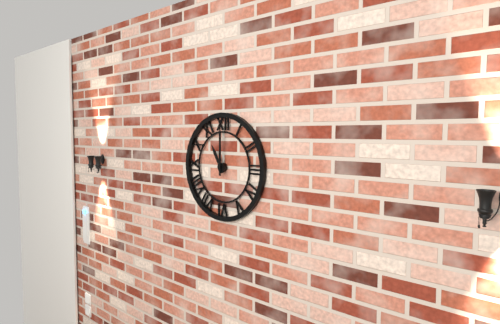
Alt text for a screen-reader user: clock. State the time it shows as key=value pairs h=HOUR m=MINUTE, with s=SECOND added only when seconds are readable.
h=11 m=0
